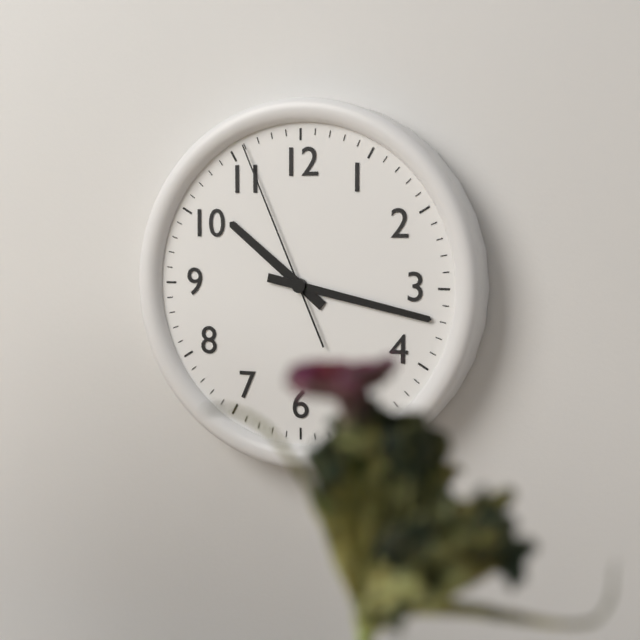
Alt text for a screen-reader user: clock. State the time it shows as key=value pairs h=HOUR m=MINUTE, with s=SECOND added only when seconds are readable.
h=10 m=17 s=56
